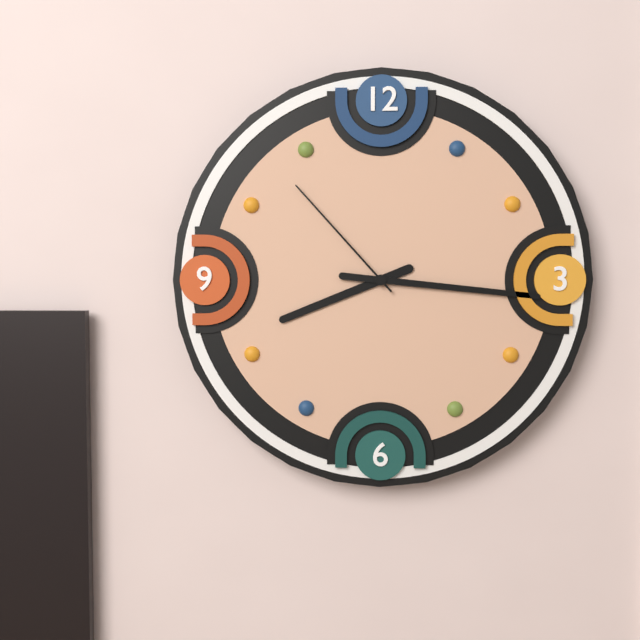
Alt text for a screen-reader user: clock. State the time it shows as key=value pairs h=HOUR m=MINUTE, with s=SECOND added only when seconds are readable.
h=8 m=16 s=53
